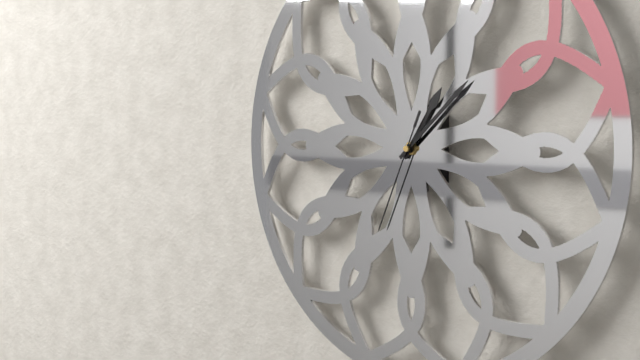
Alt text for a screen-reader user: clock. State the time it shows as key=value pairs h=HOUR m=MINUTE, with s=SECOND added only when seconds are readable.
h=1 m=8 s=34
